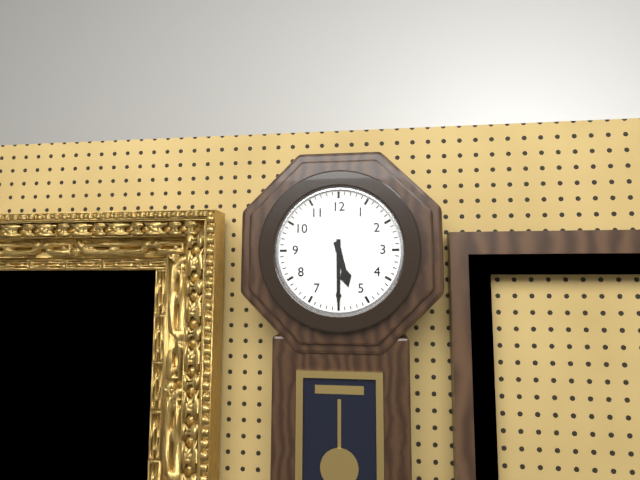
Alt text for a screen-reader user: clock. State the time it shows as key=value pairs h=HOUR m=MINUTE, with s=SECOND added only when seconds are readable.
h=5 m=30
